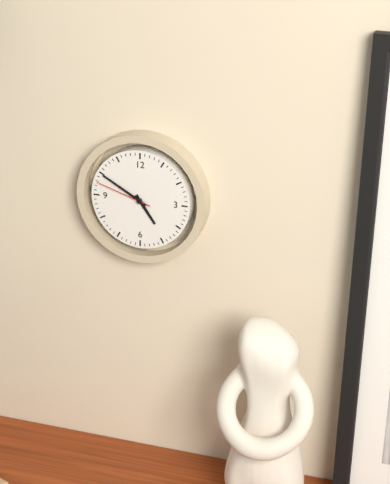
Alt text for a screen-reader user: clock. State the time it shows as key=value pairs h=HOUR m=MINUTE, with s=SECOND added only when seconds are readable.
h=4 m=50 s=48
